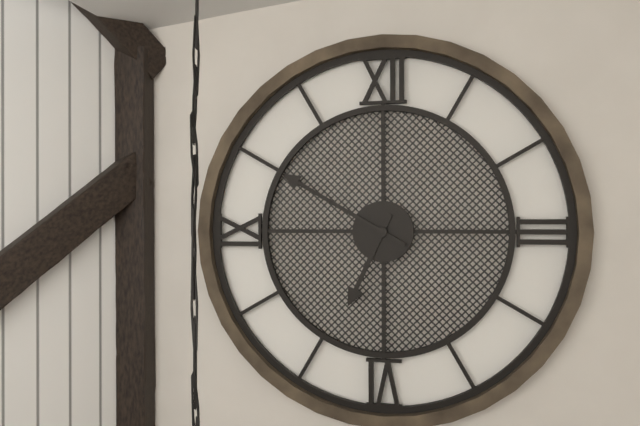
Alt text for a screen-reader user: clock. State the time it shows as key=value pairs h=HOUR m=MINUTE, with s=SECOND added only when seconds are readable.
h=6 m=50
